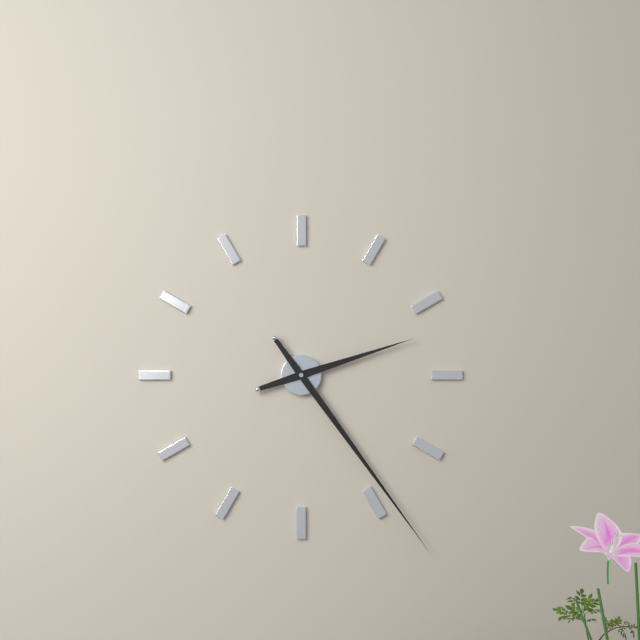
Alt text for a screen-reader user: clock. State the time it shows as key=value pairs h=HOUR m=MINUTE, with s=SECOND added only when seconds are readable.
h=2 m=24
